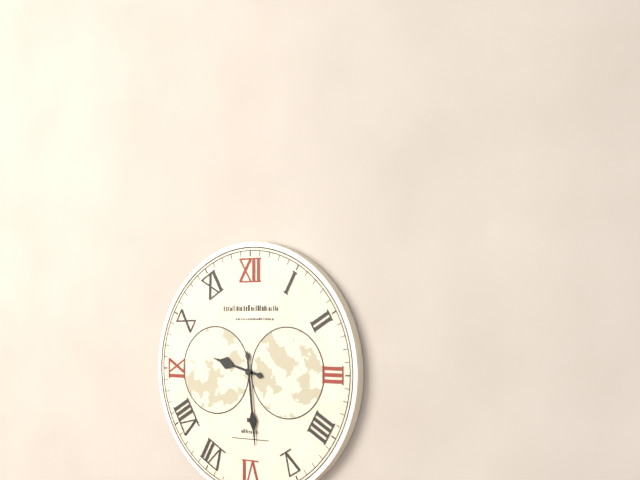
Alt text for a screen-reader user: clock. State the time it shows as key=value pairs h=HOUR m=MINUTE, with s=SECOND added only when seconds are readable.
h=9 m=29
